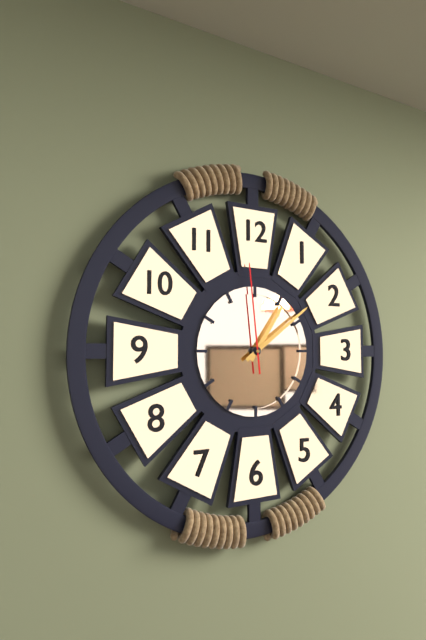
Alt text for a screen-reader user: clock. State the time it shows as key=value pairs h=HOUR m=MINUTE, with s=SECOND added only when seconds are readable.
h=1 m=9 s=59
